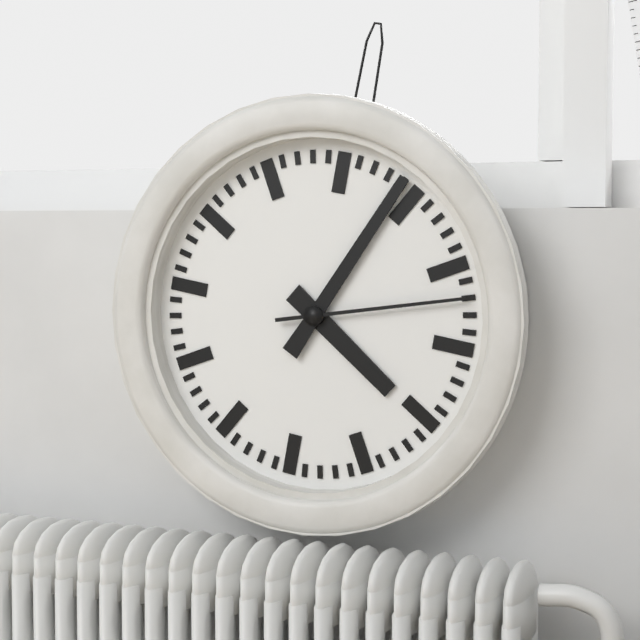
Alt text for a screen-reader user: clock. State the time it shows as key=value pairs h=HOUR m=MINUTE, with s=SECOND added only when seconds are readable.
h=4 m=4 s=12
